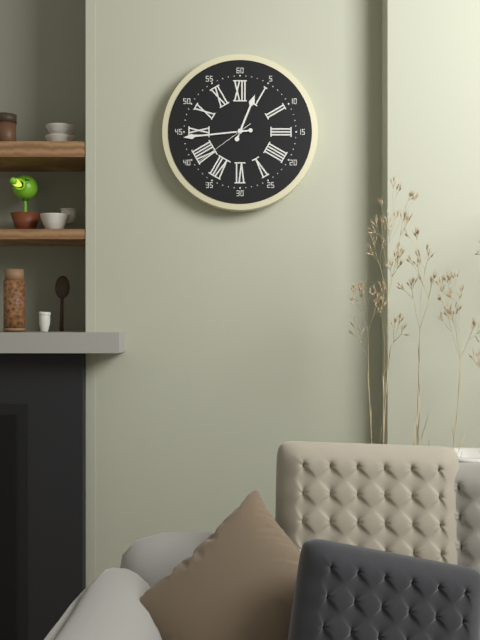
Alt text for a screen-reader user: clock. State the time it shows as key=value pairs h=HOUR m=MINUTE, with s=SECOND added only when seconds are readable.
h=12 m=44 s=39
